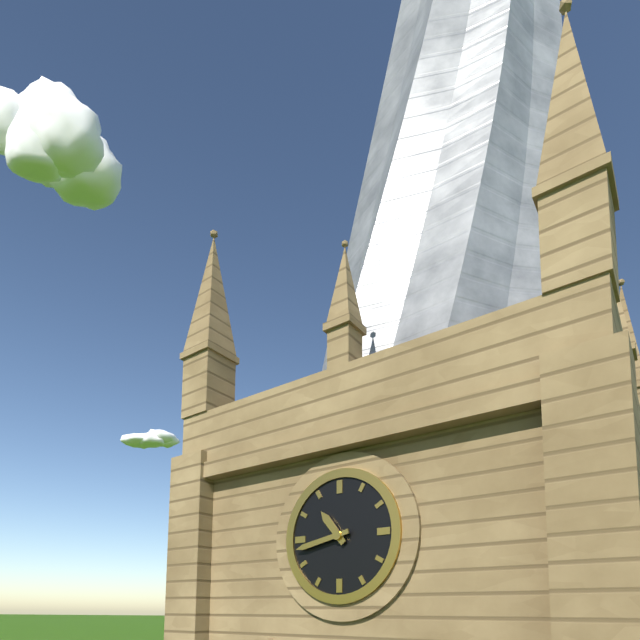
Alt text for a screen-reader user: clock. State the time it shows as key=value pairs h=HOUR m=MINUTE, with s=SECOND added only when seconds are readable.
h=10 m=43
